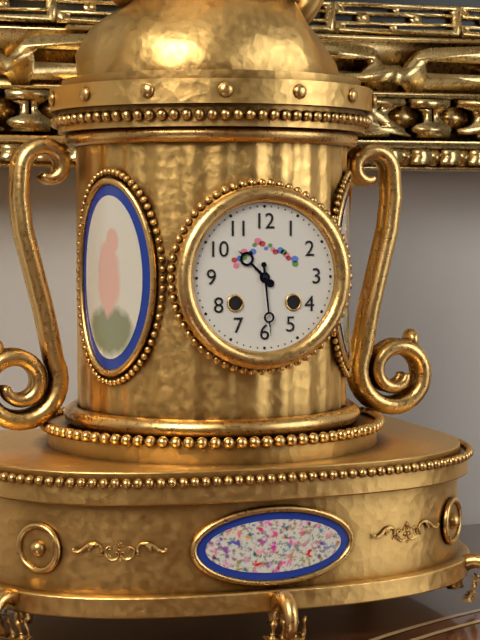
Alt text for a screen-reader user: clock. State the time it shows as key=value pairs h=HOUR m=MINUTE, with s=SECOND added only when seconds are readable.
h=10 m=29
